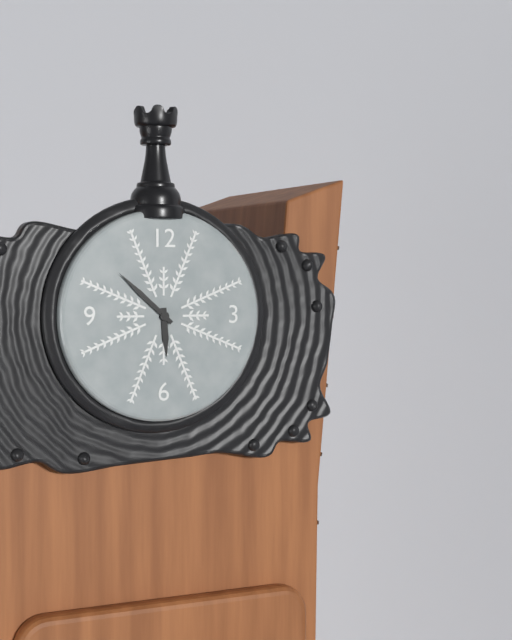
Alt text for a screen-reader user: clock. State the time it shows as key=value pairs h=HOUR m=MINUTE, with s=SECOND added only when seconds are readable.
h=5 m=52
